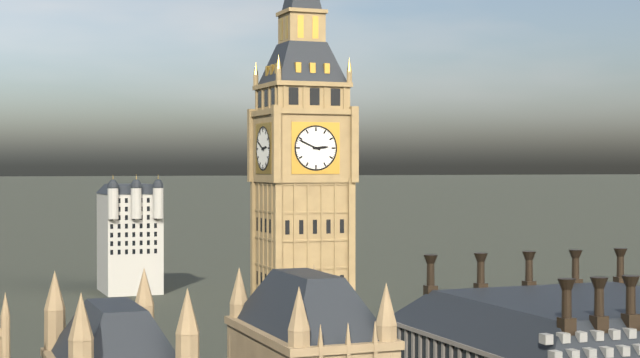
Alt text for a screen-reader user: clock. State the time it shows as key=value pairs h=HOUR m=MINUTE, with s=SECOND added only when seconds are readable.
h=2 m=49
